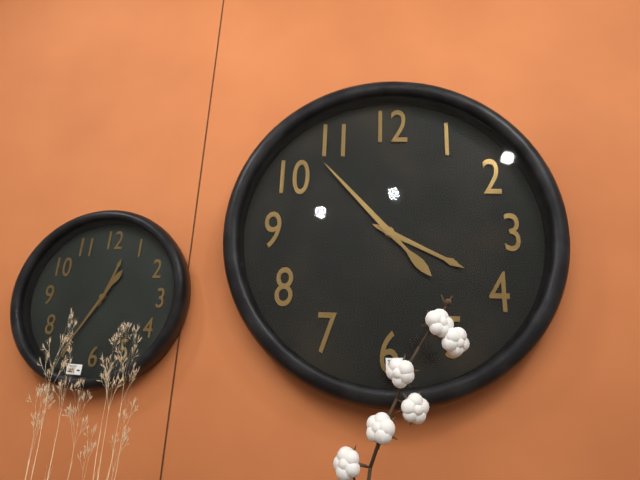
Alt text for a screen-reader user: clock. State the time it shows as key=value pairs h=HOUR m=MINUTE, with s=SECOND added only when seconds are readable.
h=3 m=53
